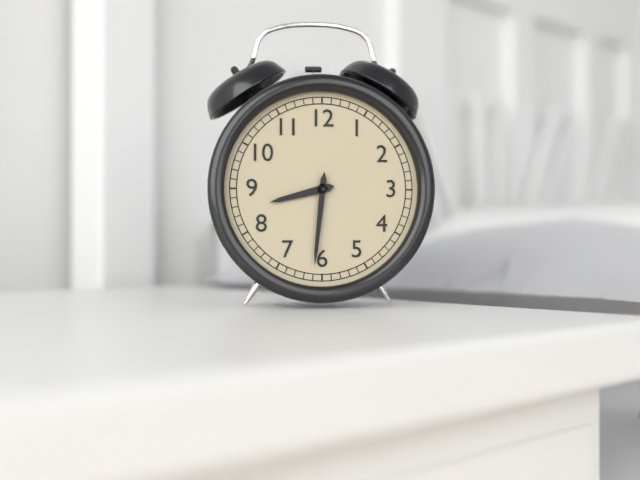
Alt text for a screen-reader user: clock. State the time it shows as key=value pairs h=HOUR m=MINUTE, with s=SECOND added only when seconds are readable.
h=8 m=31
